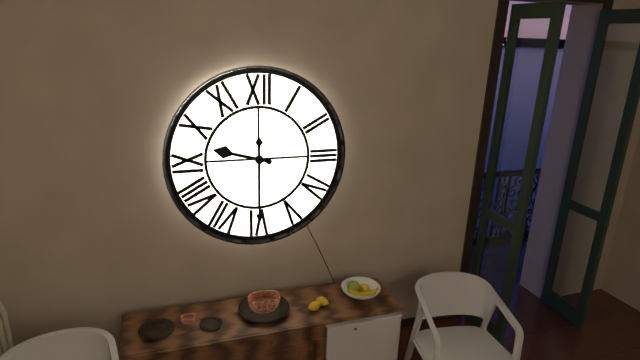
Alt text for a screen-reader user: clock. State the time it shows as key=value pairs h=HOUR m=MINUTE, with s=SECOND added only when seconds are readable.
h=9 m=30
